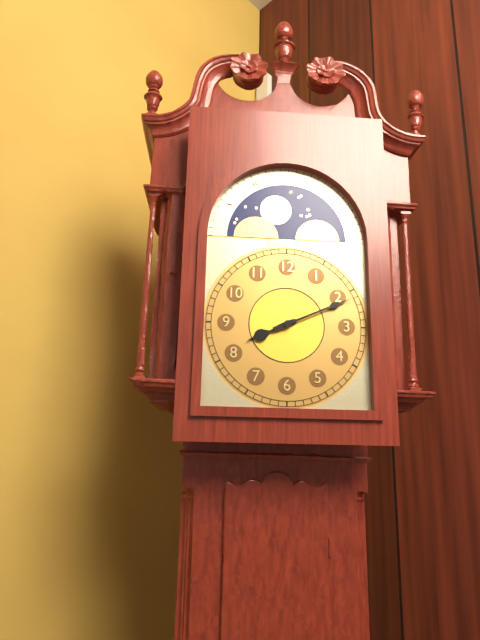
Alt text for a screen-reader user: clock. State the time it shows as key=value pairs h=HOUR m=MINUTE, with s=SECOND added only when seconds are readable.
h=8 m=11
